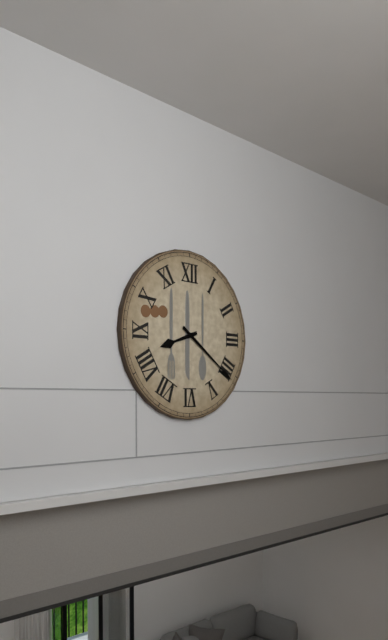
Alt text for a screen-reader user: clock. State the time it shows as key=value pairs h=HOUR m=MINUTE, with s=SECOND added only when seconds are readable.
h=8 m=21
